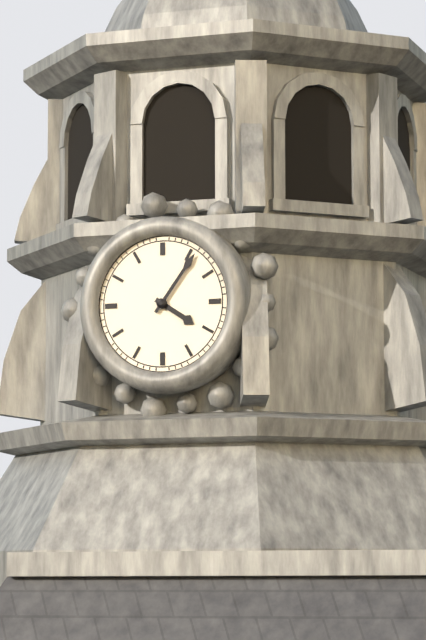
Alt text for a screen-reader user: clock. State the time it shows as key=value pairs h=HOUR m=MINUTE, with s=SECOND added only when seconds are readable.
h=4 m=6
